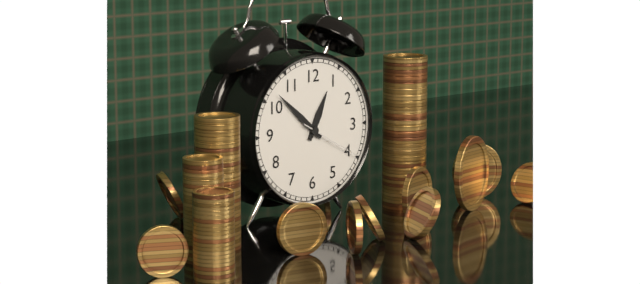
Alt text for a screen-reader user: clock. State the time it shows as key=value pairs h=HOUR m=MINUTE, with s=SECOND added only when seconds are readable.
h=12 m=52 s=20
